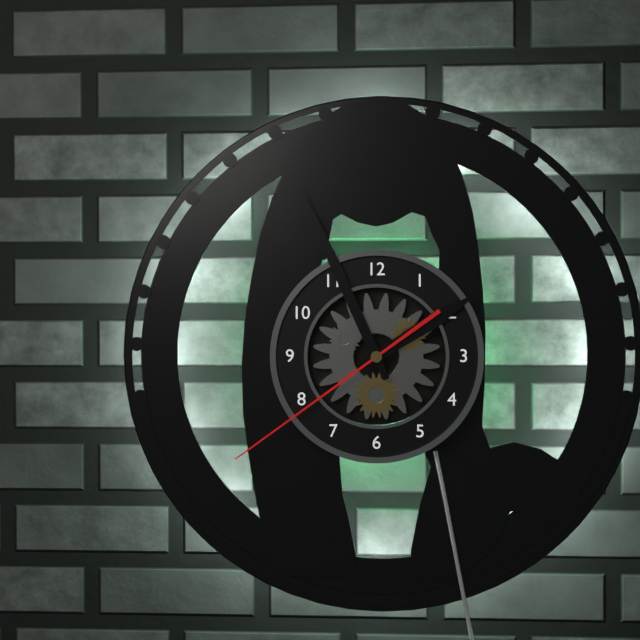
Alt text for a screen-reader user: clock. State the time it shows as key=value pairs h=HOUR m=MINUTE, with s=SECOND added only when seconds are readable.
h=1 m=56 s=39
